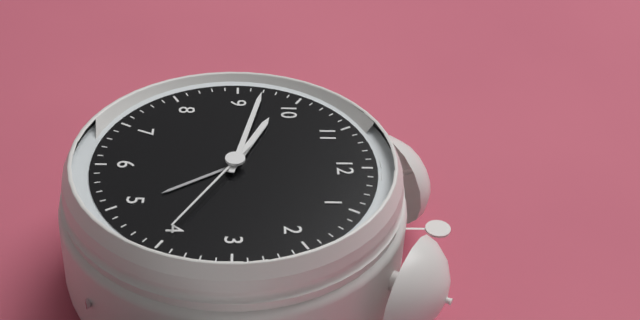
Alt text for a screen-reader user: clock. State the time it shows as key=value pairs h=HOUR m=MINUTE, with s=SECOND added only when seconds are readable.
h=9 m=47 s=20
